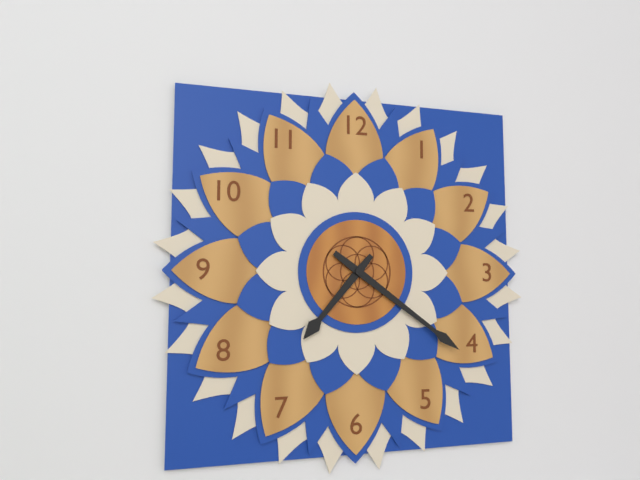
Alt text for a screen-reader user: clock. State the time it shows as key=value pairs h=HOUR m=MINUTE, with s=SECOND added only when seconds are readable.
h=7 m=21
